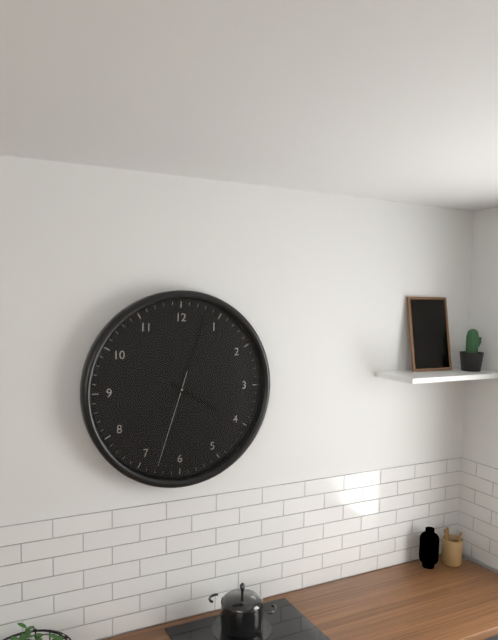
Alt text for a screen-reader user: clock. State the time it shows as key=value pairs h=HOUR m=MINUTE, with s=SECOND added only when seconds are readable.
h=4 m=3 s=33
